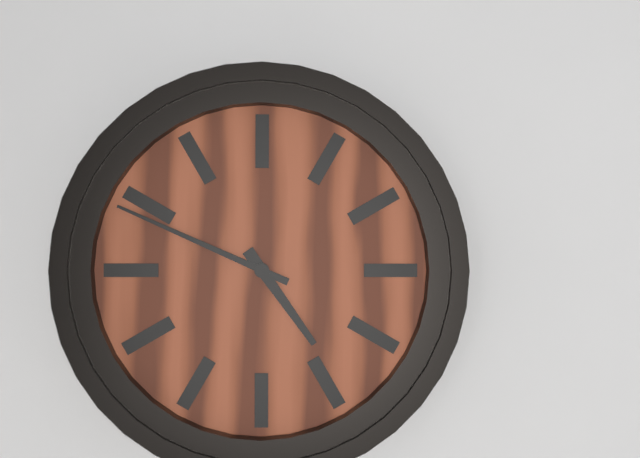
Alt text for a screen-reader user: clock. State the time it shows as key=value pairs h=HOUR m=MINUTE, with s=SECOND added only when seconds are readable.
h=4 m=49
